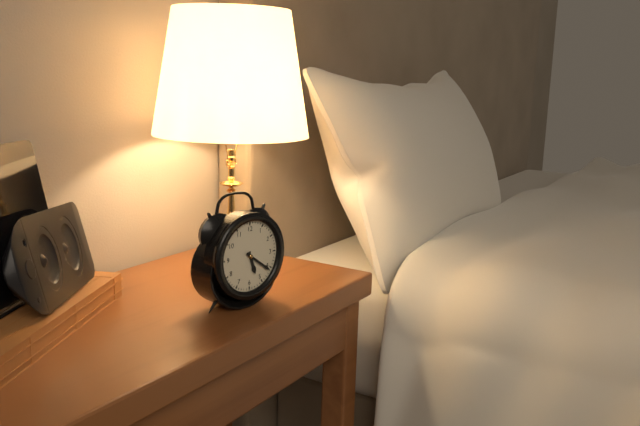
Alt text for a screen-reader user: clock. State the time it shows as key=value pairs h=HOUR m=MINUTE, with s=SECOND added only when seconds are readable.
h=5 m=21
